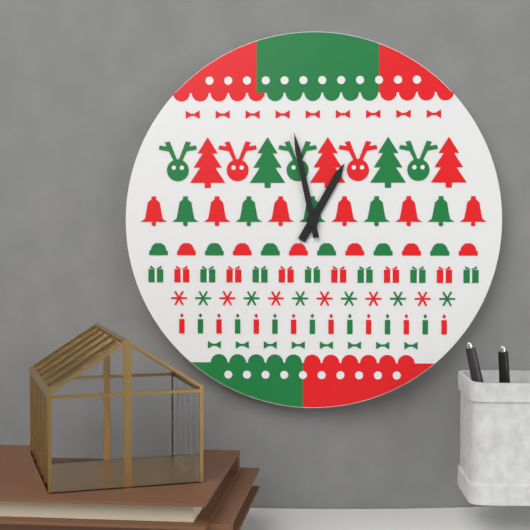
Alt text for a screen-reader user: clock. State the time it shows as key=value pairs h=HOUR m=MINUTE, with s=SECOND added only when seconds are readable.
h=12 m=58
